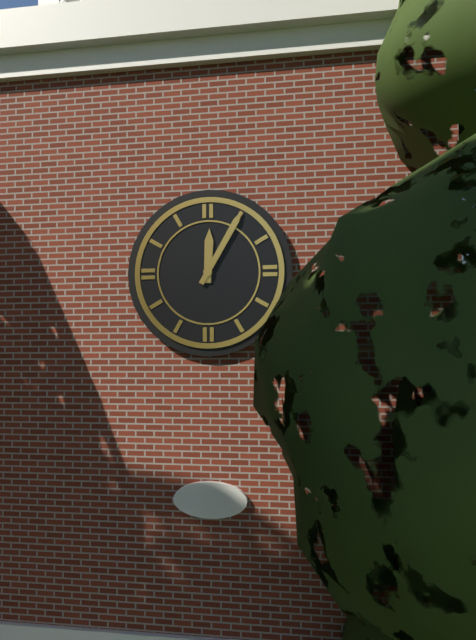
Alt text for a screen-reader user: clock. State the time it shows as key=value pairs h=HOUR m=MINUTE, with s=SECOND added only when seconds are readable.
h=12 m=5
